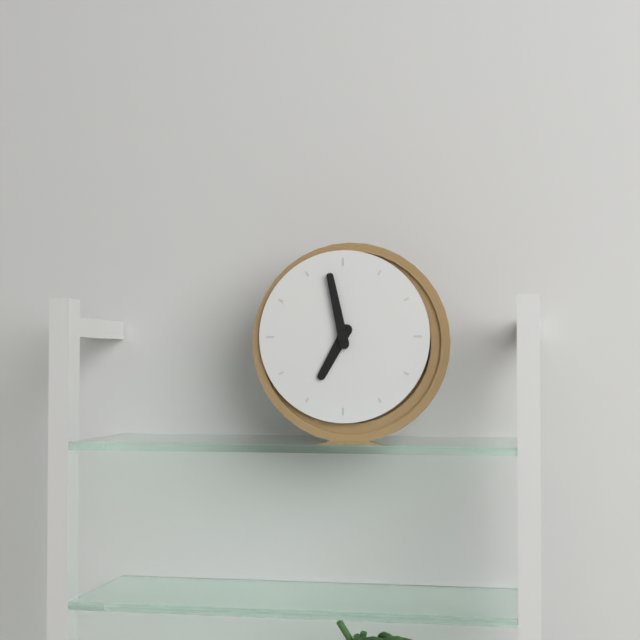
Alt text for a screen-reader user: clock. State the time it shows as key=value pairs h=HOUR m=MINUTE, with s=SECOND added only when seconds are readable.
h=6 m=58
